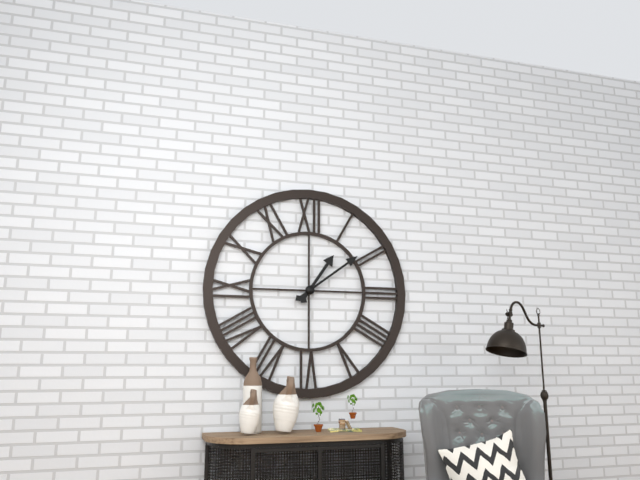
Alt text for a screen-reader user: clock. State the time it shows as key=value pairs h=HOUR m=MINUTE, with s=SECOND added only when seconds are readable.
h=1 m=9
